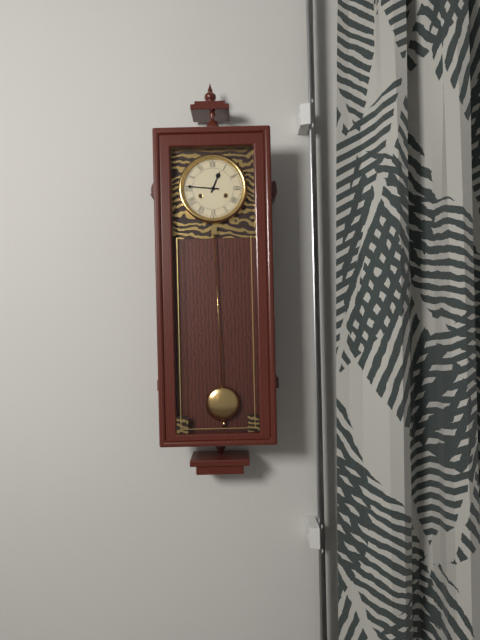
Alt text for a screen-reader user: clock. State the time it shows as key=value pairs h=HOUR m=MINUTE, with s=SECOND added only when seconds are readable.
h=12 m=46
